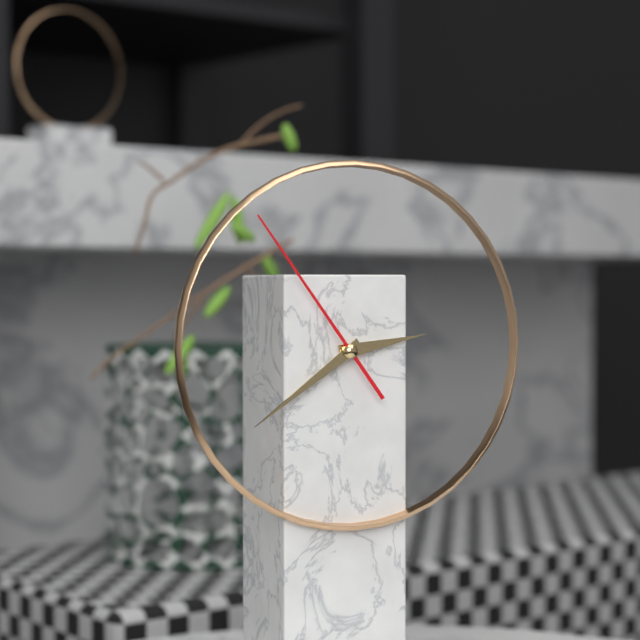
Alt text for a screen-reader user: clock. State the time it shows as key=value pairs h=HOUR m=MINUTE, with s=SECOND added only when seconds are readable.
h=2 m=39 s=54
